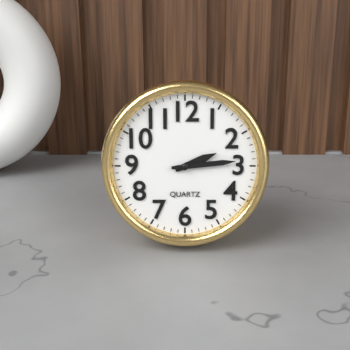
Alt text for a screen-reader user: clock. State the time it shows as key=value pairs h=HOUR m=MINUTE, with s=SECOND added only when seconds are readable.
h=2 m=14
